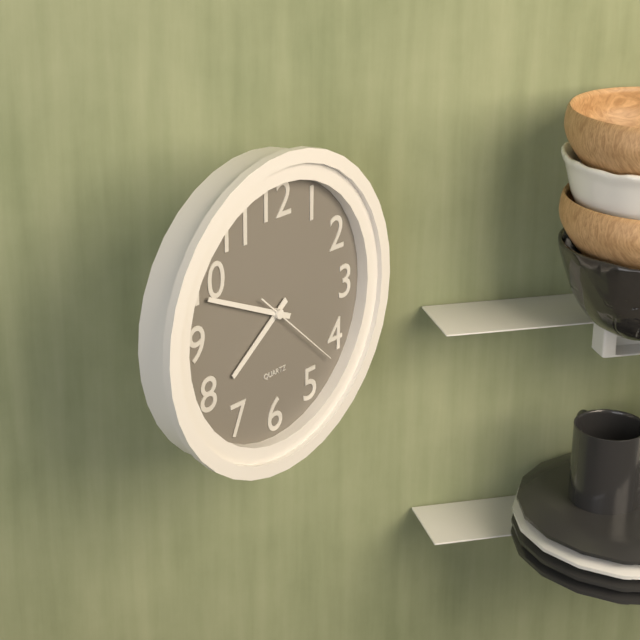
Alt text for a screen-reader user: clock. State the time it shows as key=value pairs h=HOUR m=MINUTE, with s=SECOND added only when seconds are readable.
h=7 m=49 s=22
